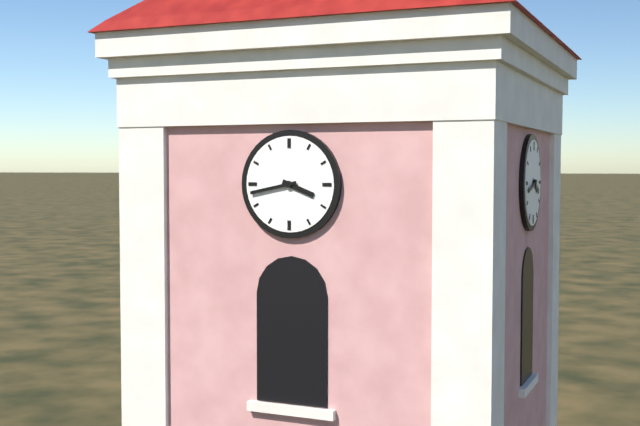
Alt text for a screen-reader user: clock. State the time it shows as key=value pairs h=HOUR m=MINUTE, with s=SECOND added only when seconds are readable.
h=3 m=43
